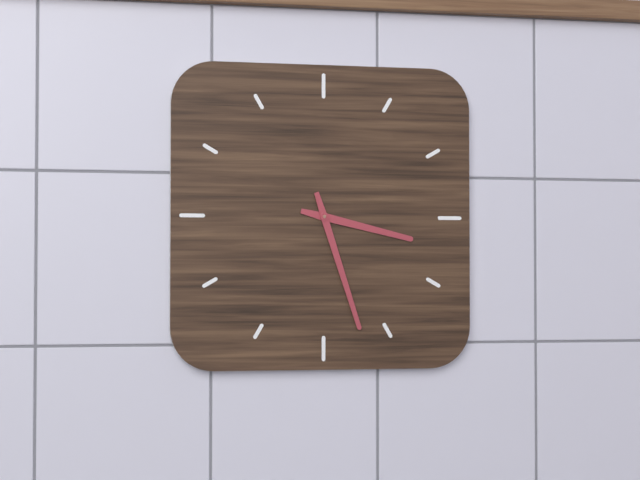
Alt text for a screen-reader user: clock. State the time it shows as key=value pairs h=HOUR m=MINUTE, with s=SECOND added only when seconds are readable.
h=3 m=27
